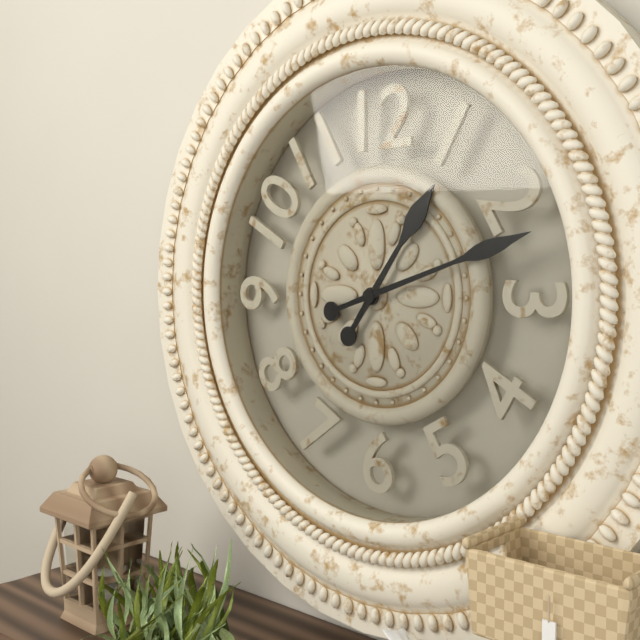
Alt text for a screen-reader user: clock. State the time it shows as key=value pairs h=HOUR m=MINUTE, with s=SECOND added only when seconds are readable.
h=1 m=12
